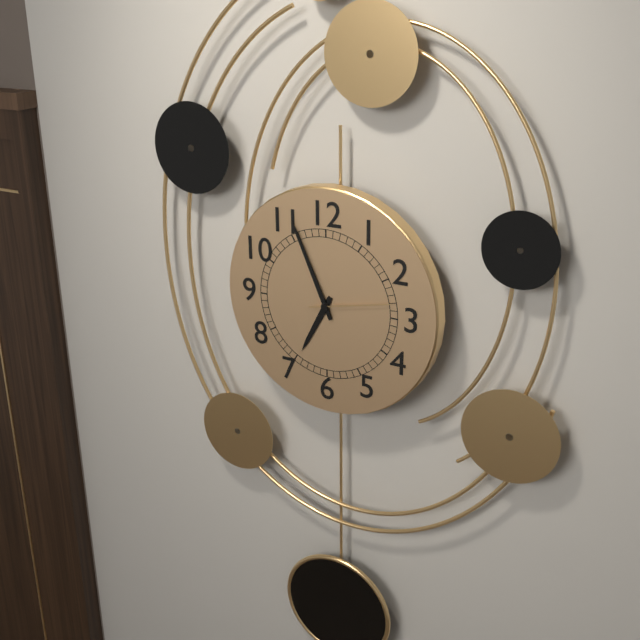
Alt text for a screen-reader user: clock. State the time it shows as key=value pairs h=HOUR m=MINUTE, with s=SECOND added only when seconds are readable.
h=6 m=56 s=13
